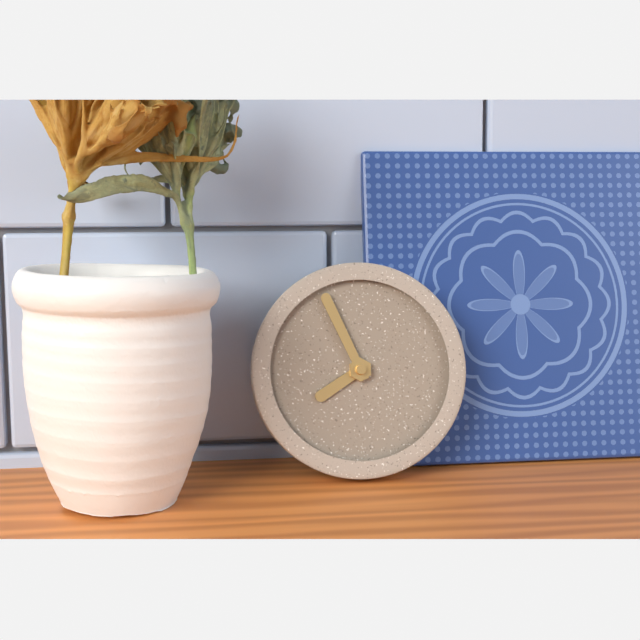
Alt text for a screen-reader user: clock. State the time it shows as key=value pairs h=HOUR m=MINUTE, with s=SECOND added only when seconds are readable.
h=7 m=56
